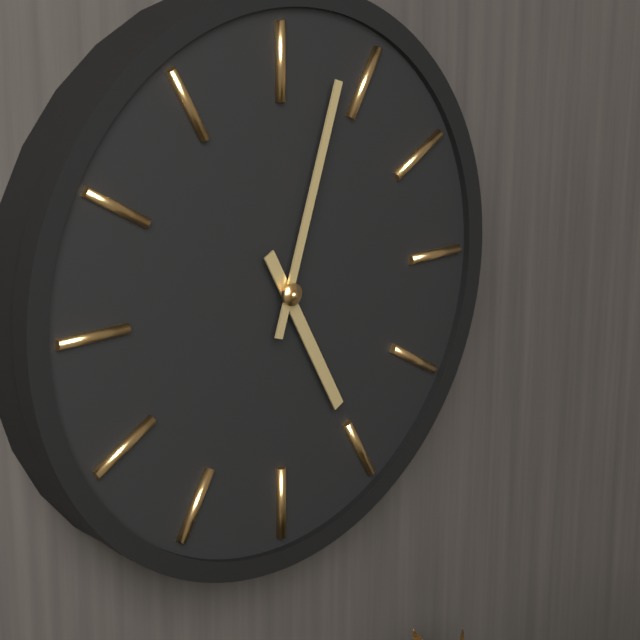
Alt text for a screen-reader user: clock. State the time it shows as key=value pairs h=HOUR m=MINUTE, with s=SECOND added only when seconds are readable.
h=5 m=3
